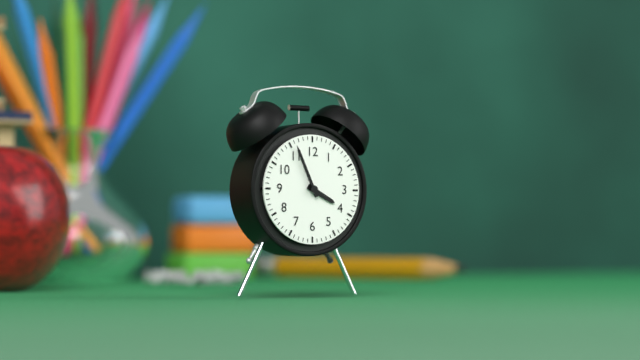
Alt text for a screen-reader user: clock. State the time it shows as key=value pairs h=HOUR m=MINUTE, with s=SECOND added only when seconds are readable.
h=3 m=56
